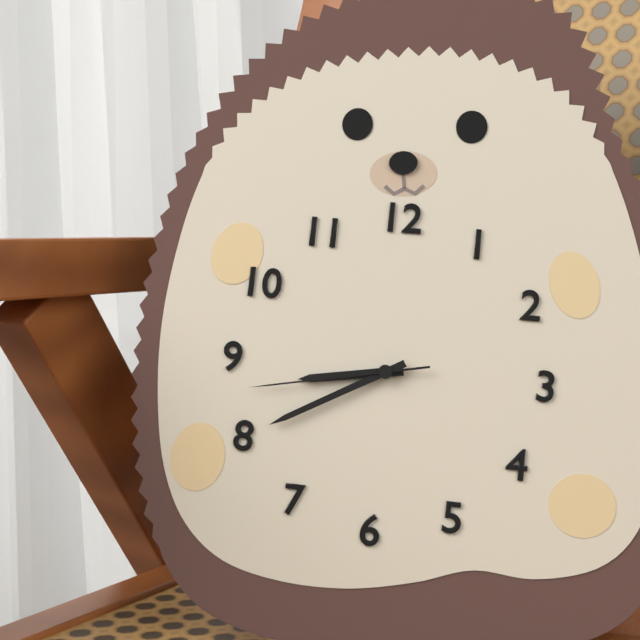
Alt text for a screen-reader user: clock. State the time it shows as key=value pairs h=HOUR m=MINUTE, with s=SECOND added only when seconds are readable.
h=8 m=40 s=43
